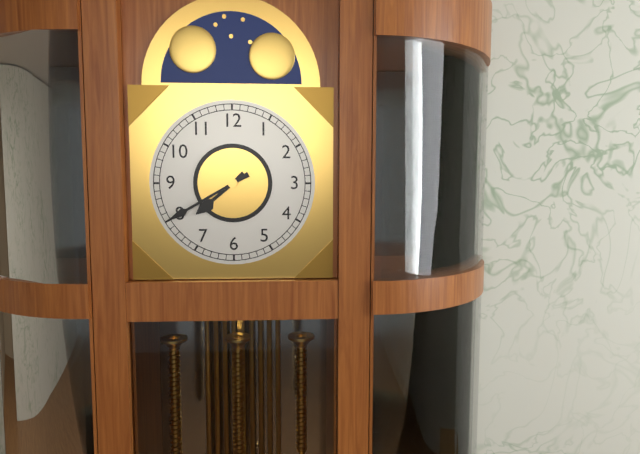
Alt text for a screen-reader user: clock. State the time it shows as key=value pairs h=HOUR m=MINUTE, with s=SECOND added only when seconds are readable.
h=7 m=40
